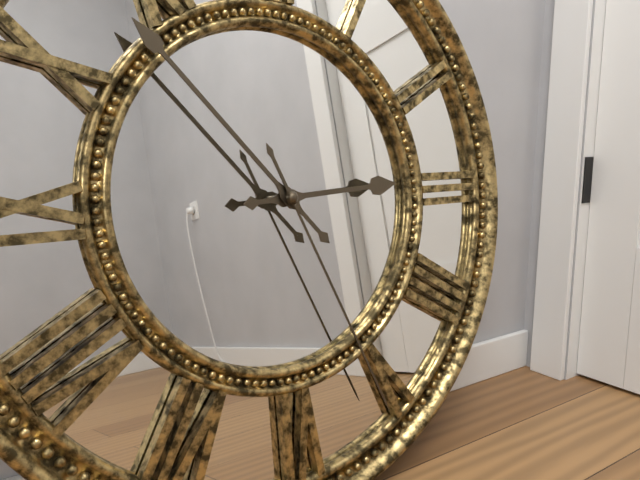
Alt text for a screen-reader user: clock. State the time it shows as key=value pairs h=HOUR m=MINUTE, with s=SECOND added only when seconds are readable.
h=2 m=53 s=26
